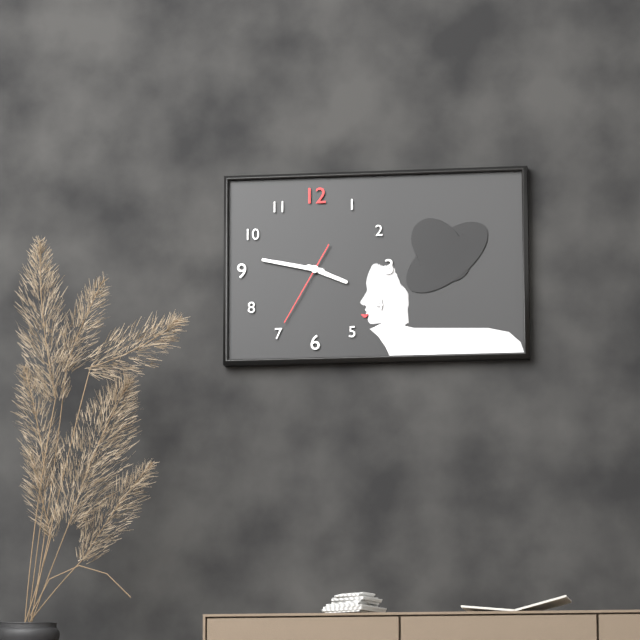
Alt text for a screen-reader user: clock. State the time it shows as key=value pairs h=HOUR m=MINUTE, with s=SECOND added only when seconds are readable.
h=3 m=47 s=35
